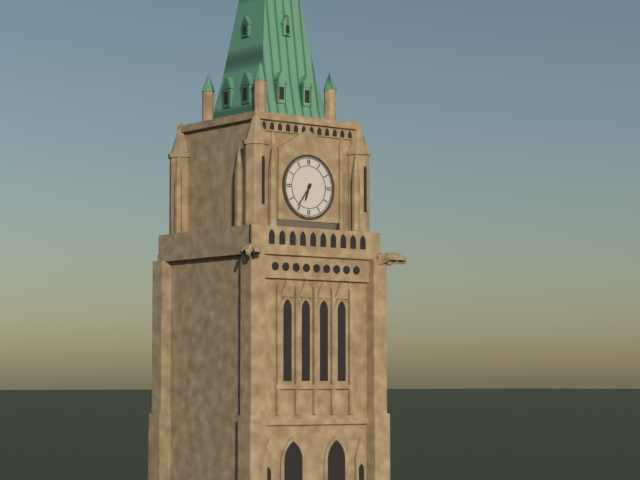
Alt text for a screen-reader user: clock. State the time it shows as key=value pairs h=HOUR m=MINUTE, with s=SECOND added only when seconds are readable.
h=6 m=36
